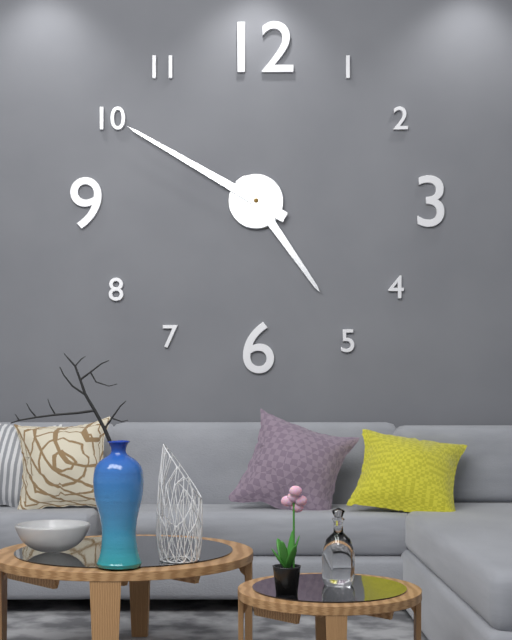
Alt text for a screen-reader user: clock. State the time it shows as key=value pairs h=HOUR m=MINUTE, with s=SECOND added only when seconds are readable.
h=4 m=50
